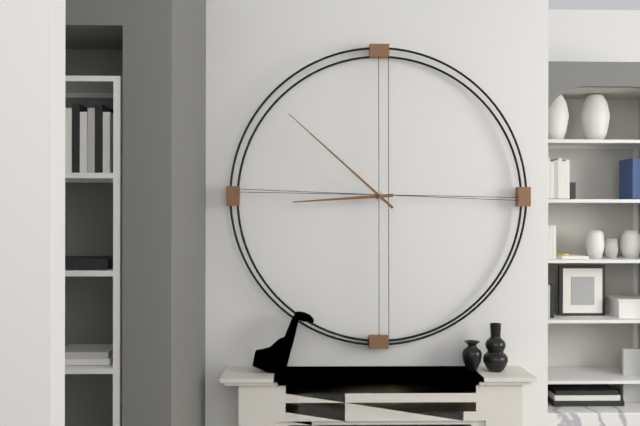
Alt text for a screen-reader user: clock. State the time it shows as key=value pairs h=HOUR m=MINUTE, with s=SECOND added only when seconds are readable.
h=8 m=52
